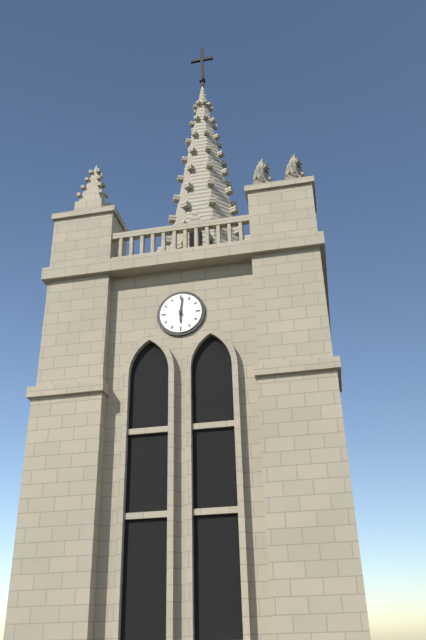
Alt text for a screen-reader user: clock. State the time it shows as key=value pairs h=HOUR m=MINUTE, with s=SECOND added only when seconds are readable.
h=6 m=1
